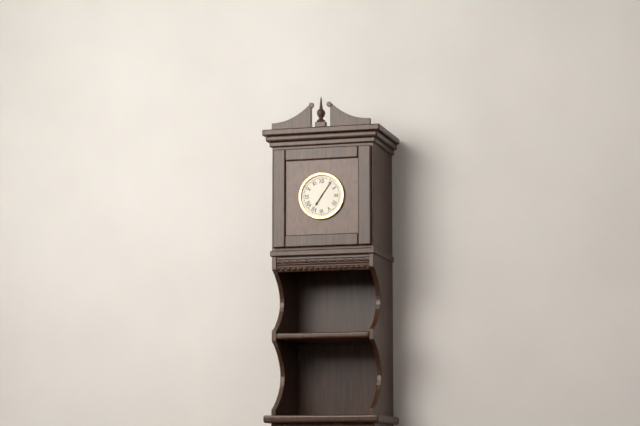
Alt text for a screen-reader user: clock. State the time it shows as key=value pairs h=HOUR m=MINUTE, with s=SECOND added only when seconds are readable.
h=7 m=6
